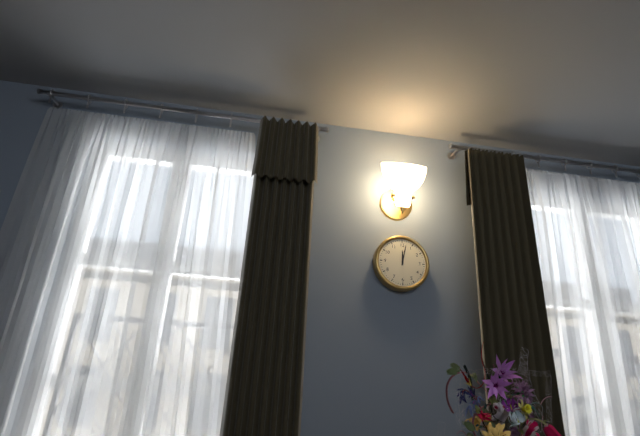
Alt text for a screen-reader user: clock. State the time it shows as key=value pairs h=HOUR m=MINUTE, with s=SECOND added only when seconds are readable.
h=12 m=2
